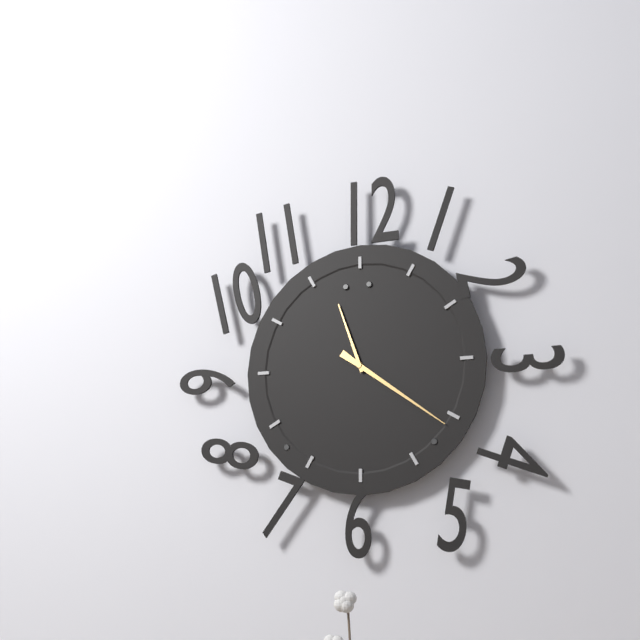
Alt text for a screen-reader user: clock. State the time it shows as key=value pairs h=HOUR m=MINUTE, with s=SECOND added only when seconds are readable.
h=11 m=21
